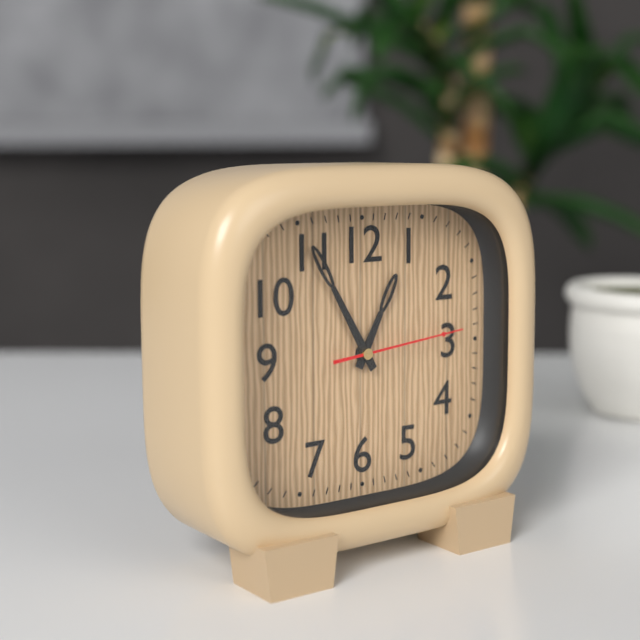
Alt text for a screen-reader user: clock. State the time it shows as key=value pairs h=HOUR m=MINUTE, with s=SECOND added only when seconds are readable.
h=12 m=55 s=14
